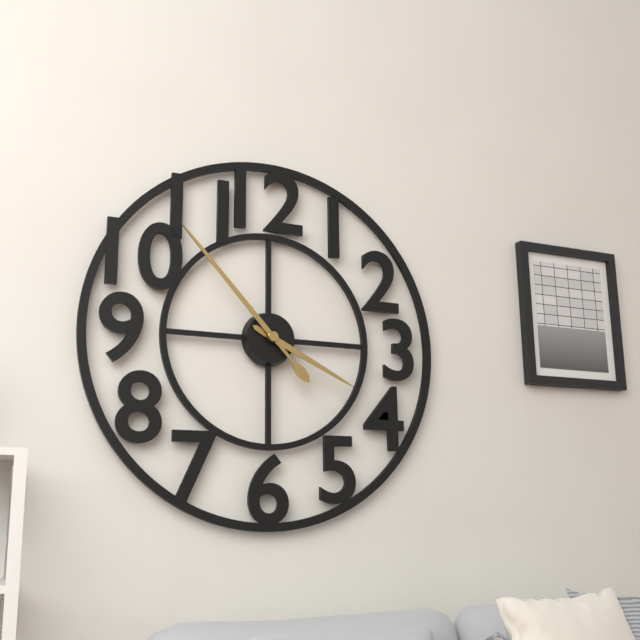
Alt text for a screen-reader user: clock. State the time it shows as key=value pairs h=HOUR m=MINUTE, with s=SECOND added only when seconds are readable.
h=3 m=53
